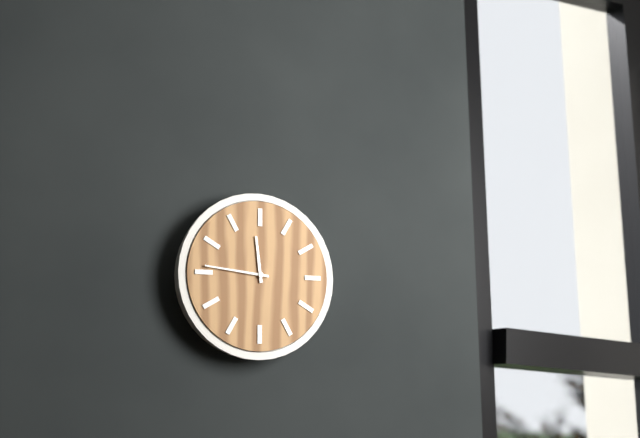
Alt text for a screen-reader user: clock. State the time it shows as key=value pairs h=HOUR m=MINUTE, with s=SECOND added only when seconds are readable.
h=11 m=46
